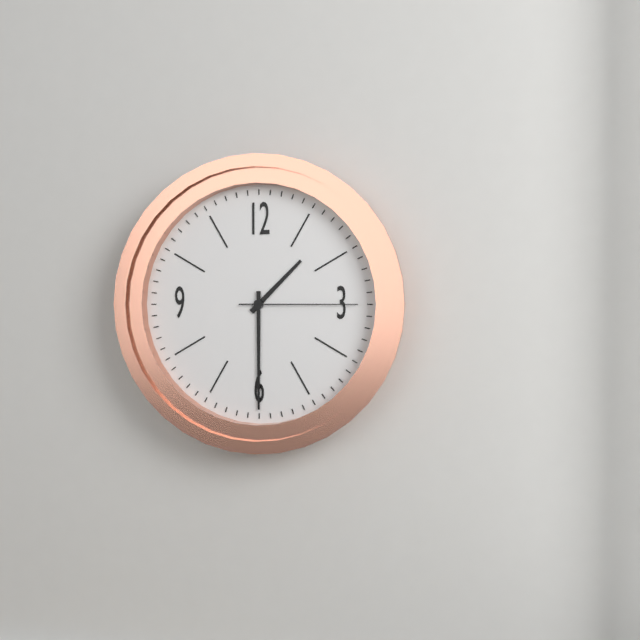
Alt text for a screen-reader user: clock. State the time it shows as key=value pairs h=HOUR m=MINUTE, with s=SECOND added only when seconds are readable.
h=1 m=30 s=15
